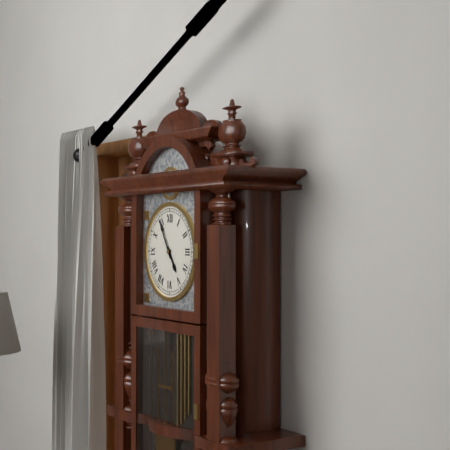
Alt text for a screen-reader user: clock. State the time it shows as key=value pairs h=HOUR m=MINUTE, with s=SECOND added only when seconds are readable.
h=4 m=55
